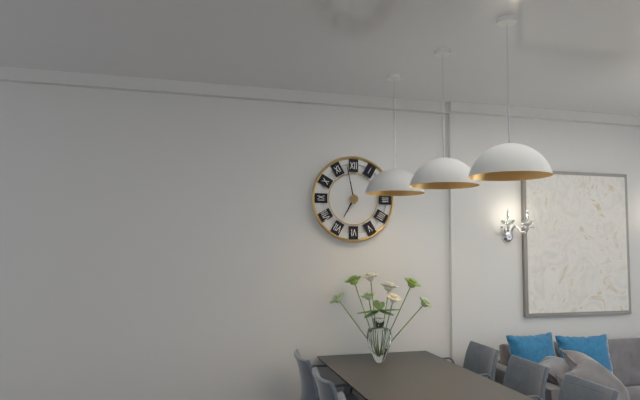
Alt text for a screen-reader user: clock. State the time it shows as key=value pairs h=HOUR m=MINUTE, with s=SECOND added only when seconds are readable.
h=6 m=58
